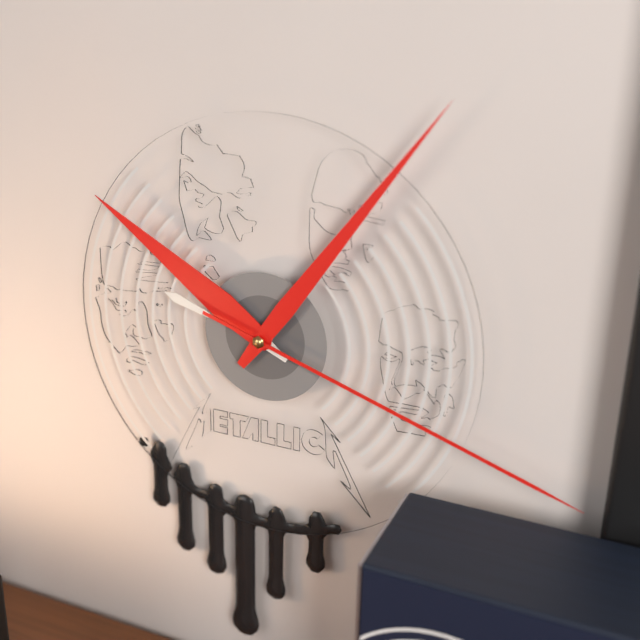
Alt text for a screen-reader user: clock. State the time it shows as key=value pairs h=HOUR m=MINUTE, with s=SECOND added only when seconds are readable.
h=10 m=6 s=18
